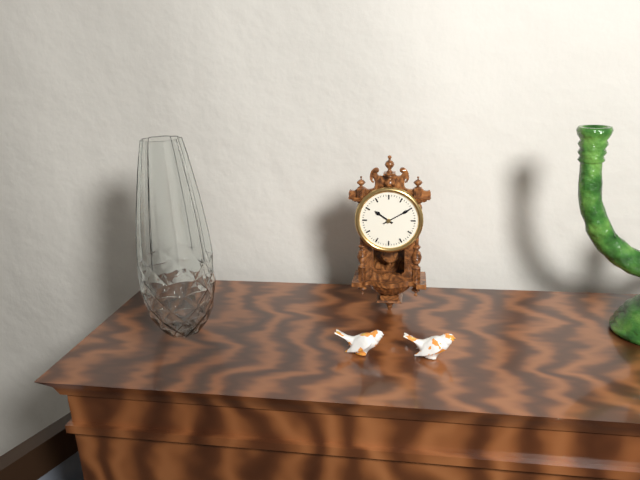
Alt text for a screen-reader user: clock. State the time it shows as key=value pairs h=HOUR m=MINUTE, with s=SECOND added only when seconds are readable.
h=10 m=10
